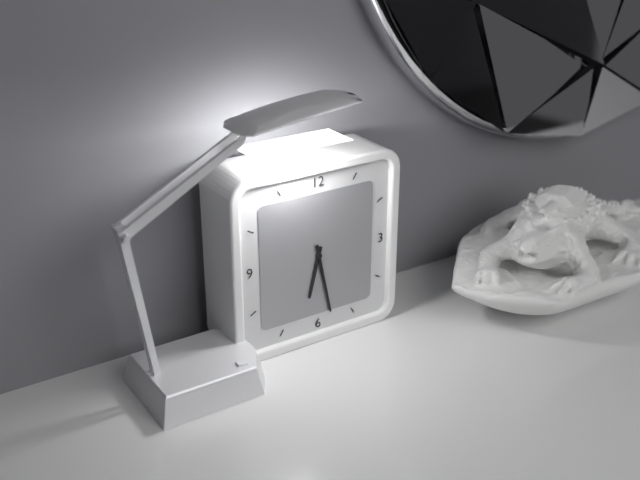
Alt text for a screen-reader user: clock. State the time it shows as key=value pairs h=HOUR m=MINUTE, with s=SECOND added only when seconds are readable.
h=6 m=28
